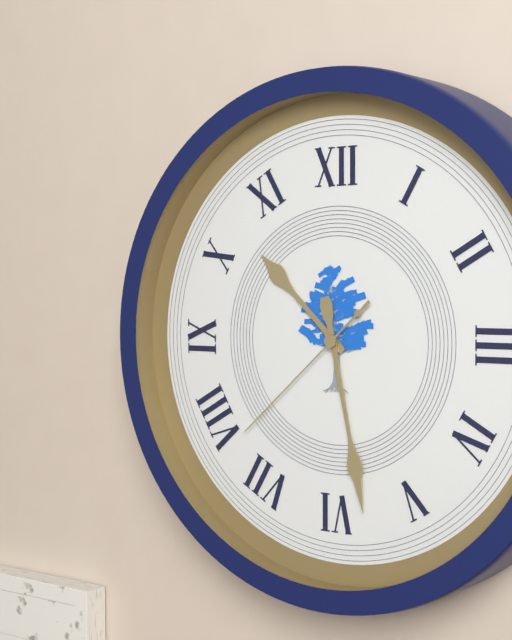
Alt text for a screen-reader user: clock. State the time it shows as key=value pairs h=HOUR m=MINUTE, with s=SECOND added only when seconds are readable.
h=10 m=28 s=38
